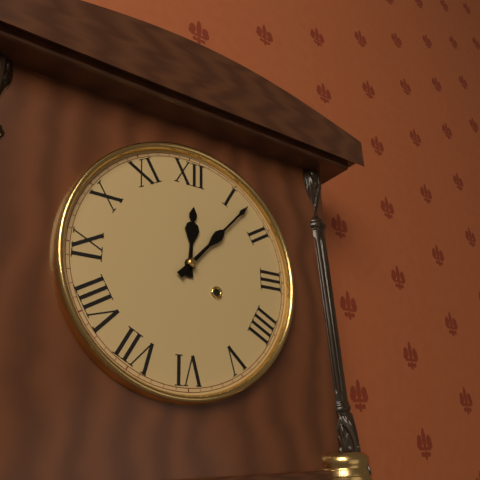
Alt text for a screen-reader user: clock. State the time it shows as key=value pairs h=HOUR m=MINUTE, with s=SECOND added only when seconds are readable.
h=12 m=7
